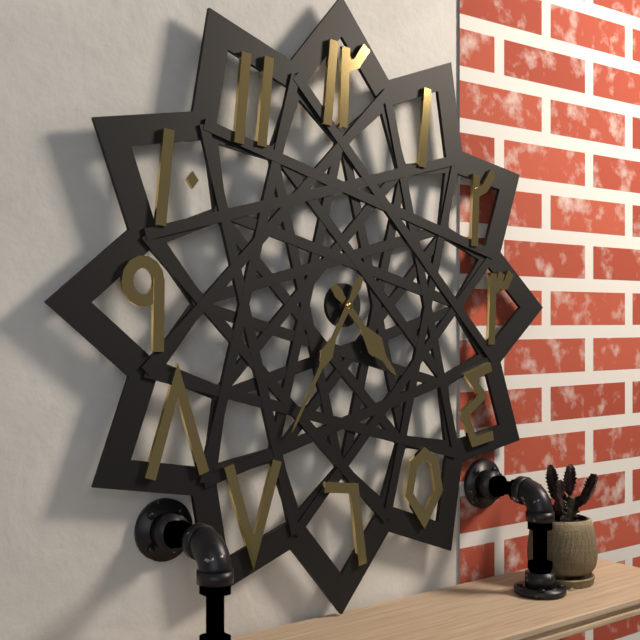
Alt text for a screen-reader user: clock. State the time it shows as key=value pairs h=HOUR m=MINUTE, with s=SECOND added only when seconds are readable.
h=4 m=35
